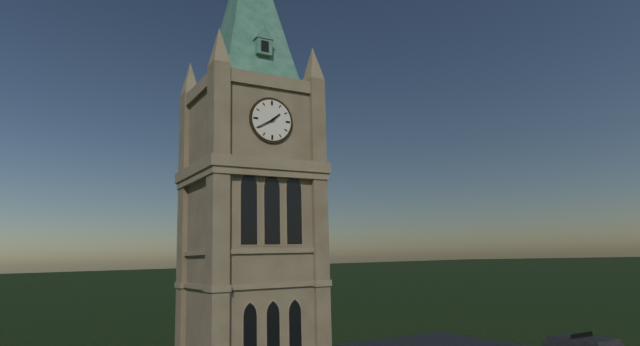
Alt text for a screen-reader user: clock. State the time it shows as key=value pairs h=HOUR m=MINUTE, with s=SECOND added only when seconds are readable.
h=1 m=40
